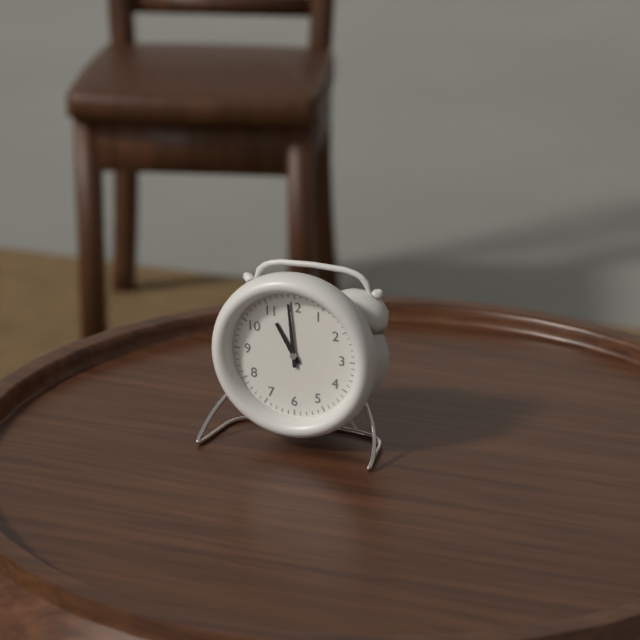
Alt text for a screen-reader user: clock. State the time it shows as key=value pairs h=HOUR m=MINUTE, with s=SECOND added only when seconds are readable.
h=10 m=59
